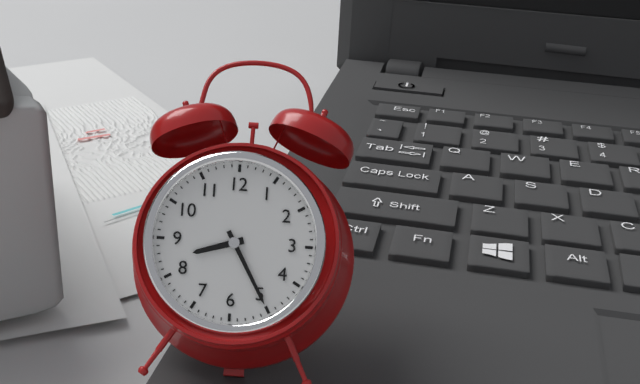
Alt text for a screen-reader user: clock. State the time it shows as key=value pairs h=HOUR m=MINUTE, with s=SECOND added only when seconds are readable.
h=8 m=25
